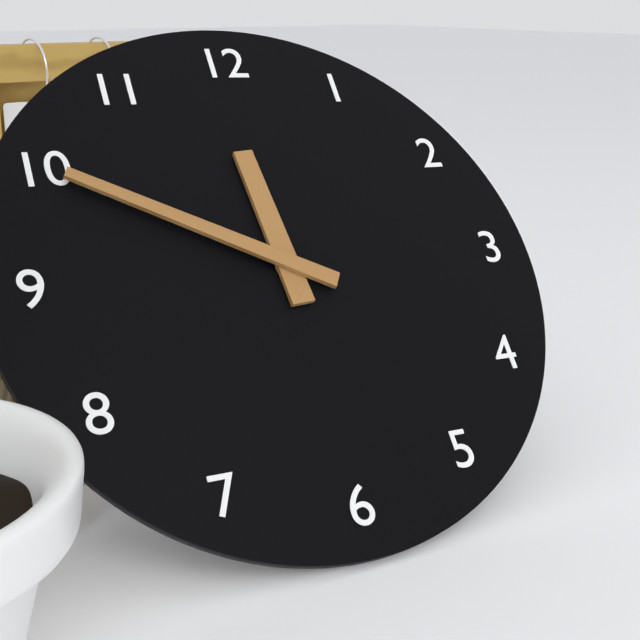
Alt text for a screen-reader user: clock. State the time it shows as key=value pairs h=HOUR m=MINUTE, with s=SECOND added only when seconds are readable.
h=11 m=50
